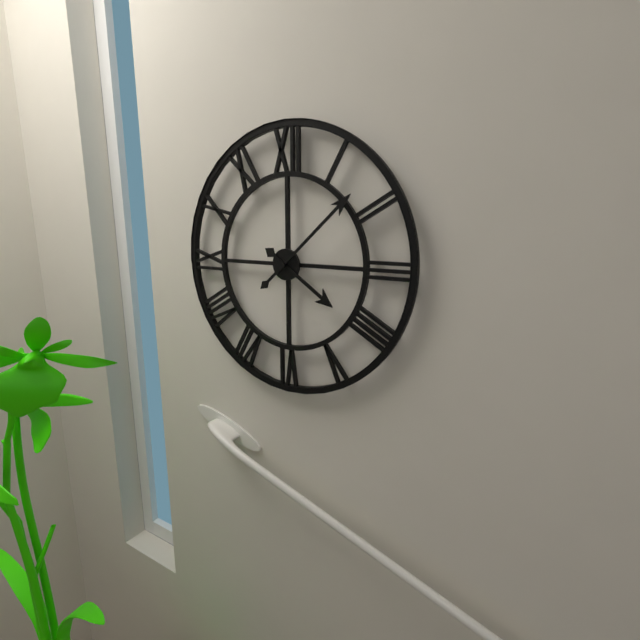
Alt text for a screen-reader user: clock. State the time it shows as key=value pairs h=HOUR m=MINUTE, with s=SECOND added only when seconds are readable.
h=4 m=8
